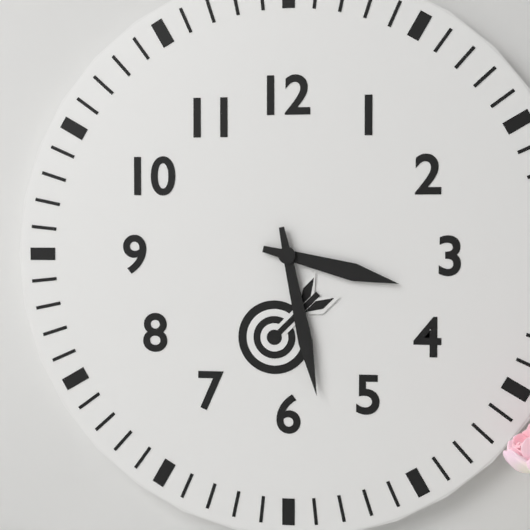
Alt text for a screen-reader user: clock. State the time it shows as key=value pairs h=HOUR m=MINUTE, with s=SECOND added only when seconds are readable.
h=3 m=28
